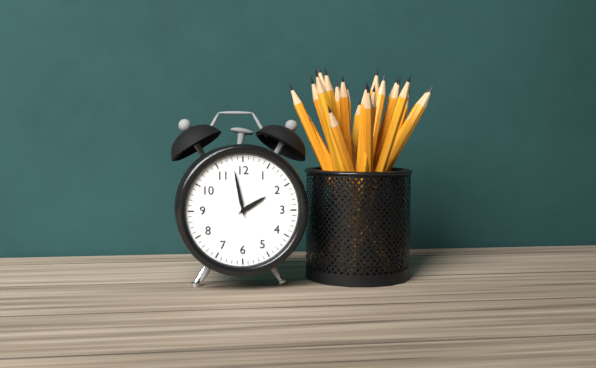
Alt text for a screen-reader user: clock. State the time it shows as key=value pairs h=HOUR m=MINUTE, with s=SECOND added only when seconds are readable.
h=1 m=58
